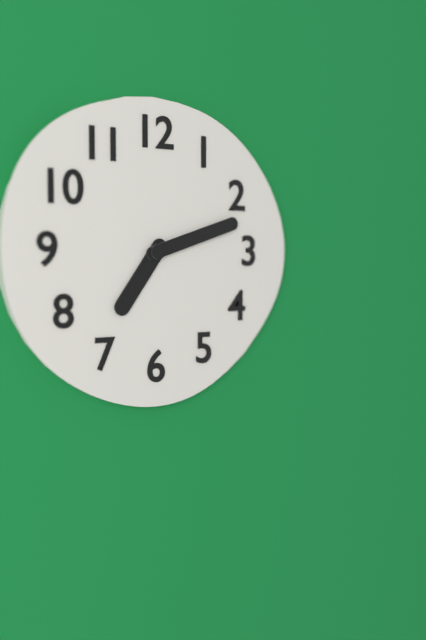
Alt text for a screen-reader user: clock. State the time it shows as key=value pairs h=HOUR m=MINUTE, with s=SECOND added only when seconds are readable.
h=7 m=12
